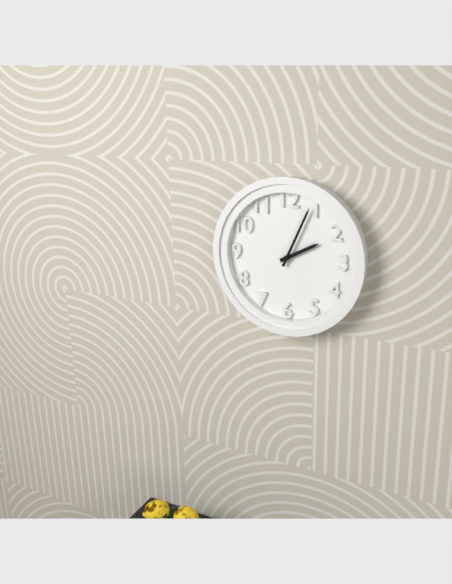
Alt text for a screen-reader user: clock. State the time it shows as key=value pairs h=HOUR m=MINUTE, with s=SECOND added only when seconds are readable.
h=2 m=4
